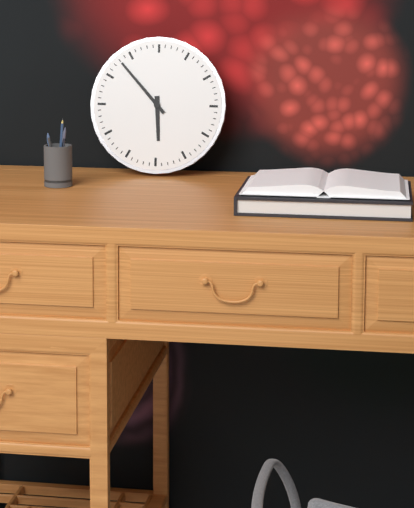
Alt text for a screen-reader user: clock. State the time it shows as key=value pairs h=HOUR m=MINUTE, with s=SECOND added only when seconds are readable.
h=5 m=53
